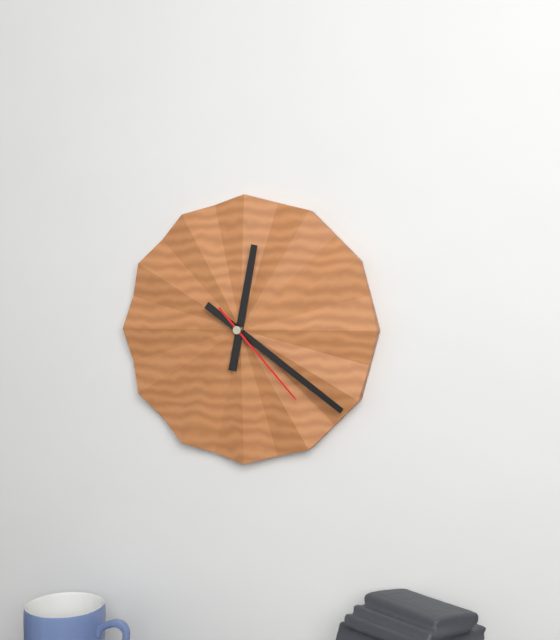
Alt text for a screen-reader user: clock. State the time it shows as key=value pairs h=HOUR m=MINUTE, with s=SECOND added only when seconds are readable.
h=12 m=21 s=23
